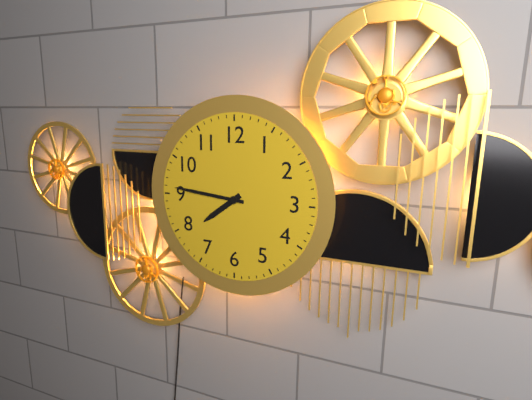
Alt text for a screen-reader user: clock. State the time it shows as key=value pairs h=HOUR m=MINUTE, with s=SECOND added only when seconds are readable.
h=7 m=46
